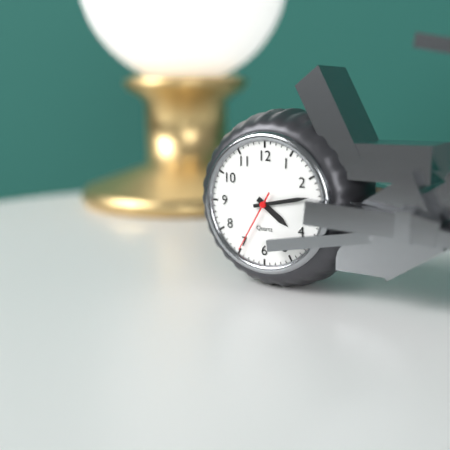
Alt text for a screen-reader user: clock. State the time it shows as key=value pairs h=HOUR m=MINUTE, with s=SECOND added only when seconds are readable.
h=4 m=13 s=35
